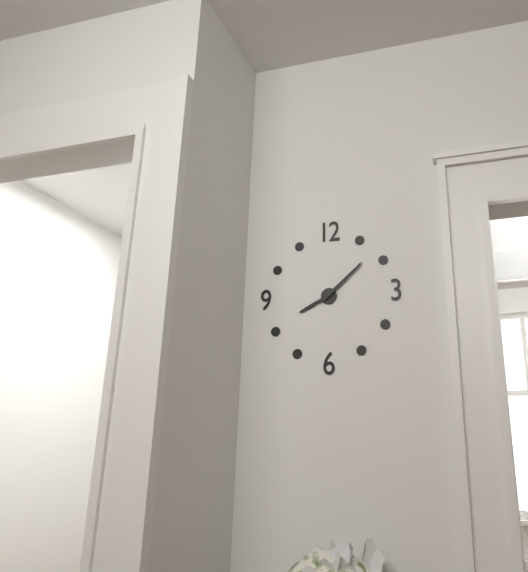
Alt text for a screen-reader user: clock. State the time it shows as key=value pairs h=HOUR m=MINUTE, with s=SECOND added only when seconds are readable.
h=8 m=8
